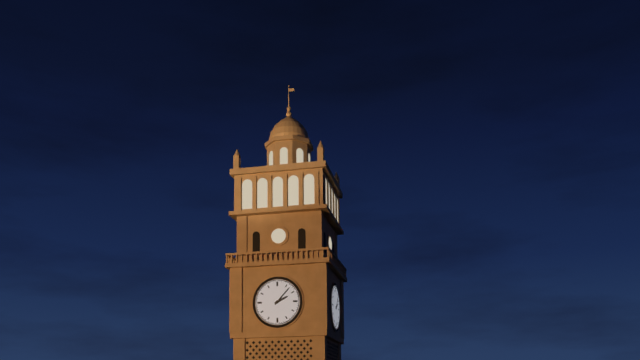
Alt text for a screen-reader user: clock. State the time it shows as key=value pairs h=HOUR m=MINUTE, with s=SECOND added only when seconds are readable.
h=2 m=7
